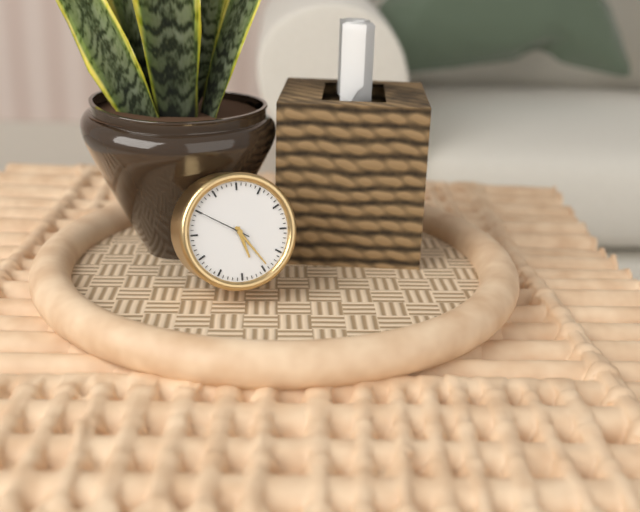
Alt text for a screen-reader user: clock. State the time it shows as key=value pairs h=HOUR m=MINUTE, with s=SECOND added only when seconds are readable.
h=5 m=24 s=50
